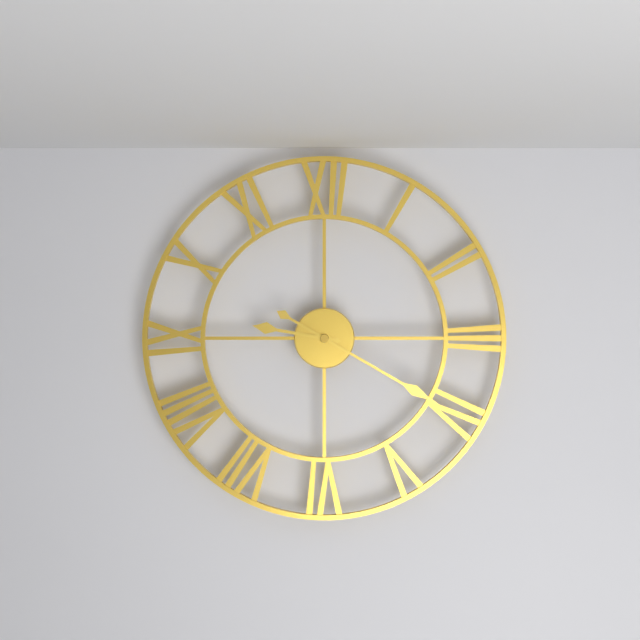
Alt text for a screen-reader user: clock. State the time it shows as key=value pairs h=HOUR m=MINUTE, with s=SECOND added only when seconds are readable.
h=9 m=20
